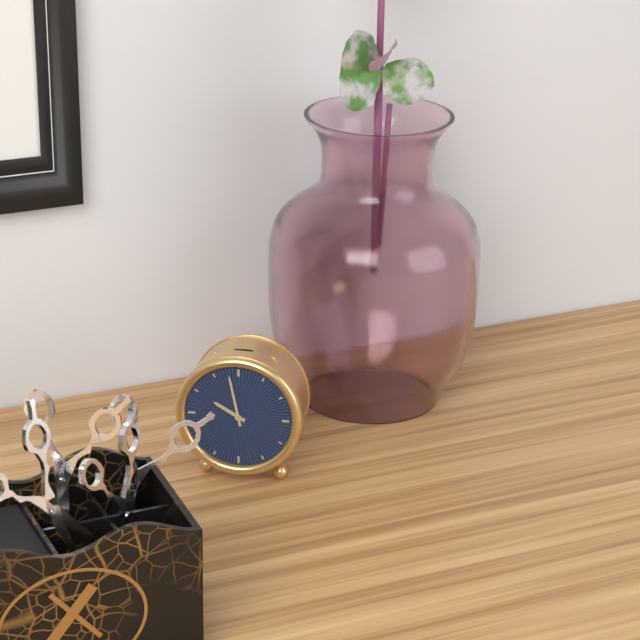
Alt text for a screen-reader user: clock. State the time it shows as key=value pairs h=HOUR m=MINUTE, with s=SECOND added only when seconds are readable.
h=9 m=58
